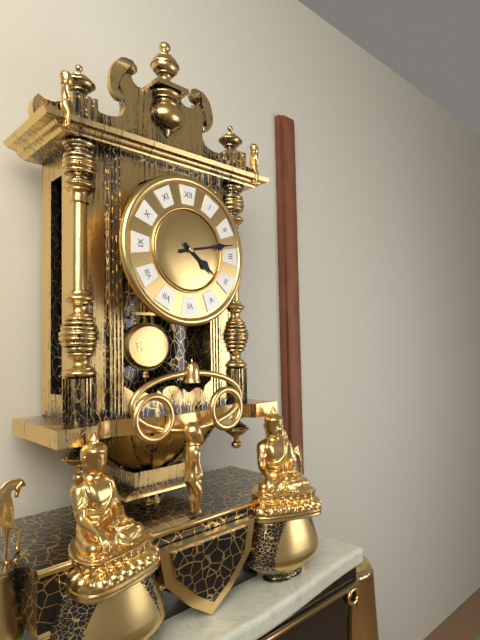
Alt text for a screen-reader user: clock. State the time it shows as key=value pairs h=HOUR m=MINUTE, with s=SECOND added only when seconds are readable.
h=4 m=13
